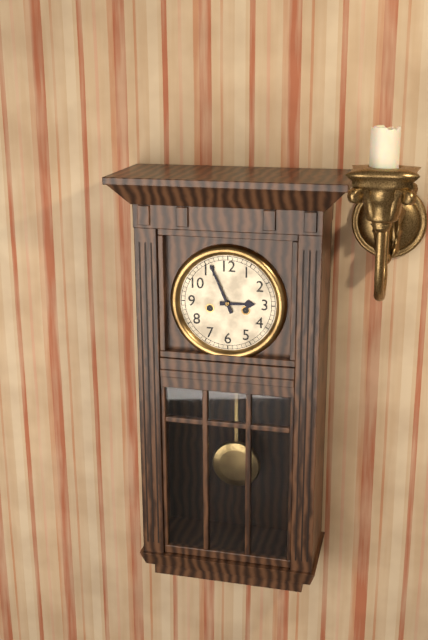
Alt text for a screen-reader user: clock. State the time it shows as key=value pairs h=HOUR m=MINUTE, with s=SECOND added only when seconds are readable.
h=2 m=56
